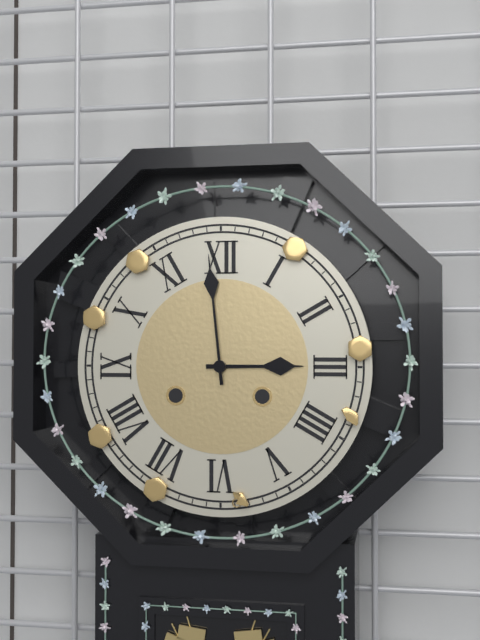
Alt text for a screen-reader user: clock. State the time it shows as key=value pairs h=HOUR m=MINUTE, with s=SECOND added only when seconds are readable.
h=2 m=59
